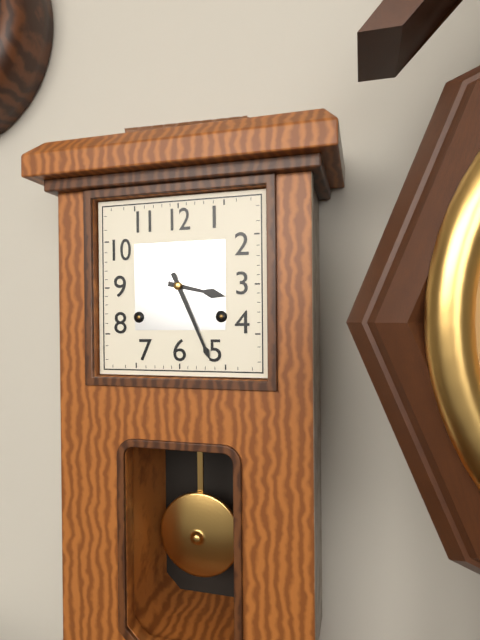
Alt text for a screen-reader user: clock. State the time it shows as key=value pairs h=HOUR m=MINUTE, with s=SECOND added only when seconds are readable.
h=3 m=26
